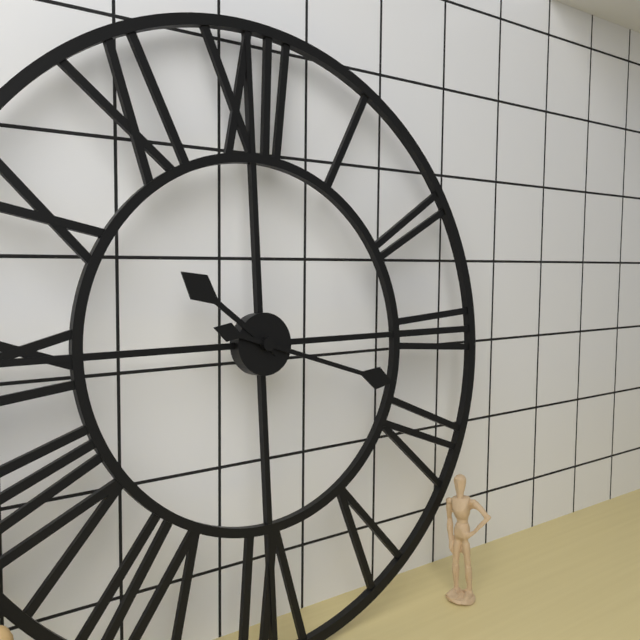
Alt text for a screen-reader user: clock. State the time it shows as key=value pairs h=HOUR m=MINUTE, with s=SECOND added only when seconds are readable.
h=10 m=18
